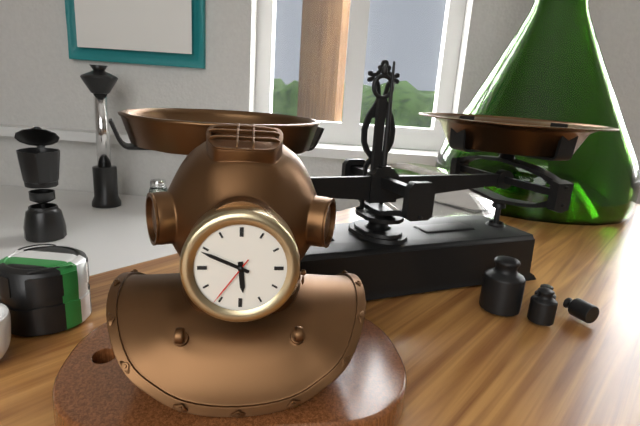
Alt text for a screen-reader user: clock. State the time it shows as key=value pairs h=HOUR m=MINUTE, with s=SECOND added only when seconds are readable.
h=5 m=49 s=36
